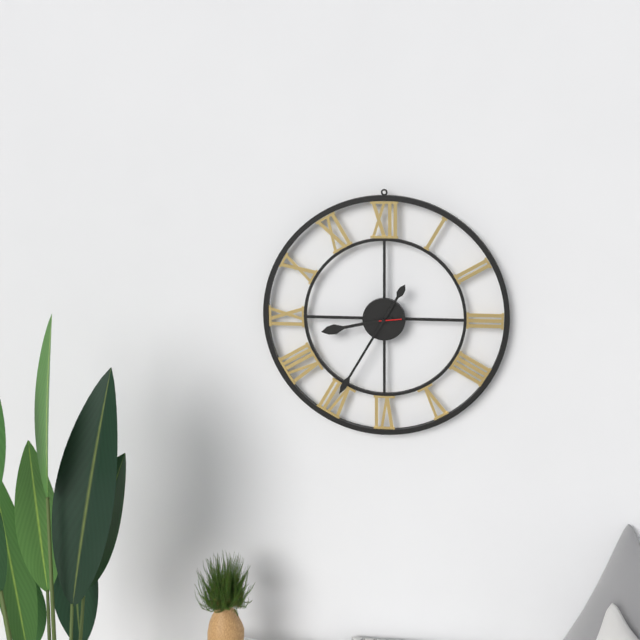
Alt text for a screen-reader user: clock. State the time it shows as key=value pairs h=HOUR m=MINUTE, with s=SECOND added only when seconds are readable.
h=8 m=35
